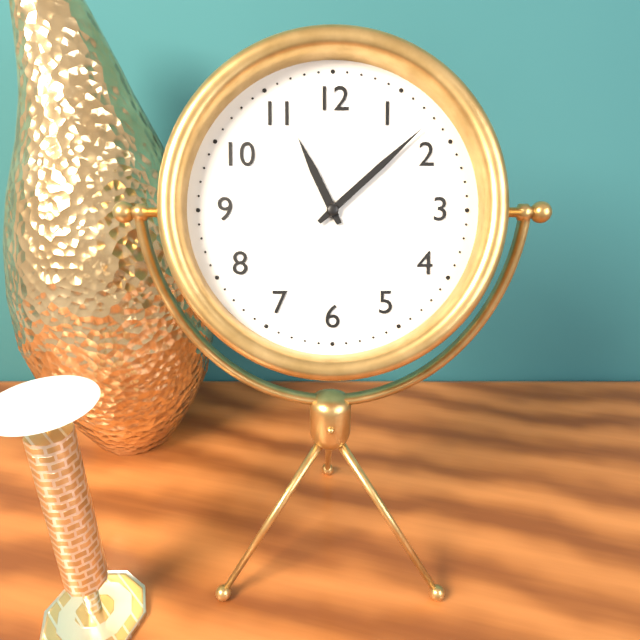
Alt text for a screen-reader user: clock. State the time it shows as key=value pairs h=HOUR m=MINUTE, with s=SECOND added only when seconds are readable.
h=11 m=8
